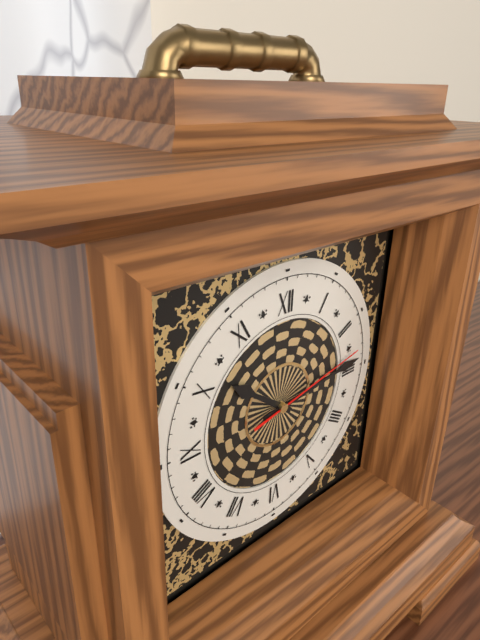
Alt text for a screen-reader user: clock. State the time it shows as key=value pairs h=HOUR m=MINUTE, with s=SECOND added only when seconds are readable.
h=10 m=14 s=13
